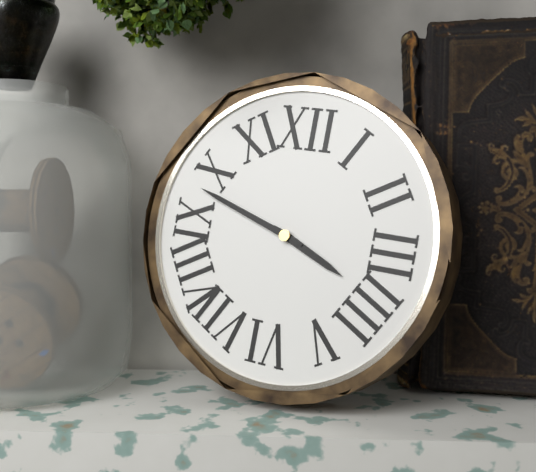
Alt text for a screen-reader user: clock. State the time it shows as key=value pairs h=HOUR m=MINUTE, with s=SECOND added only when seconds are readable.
h=3 m=48
